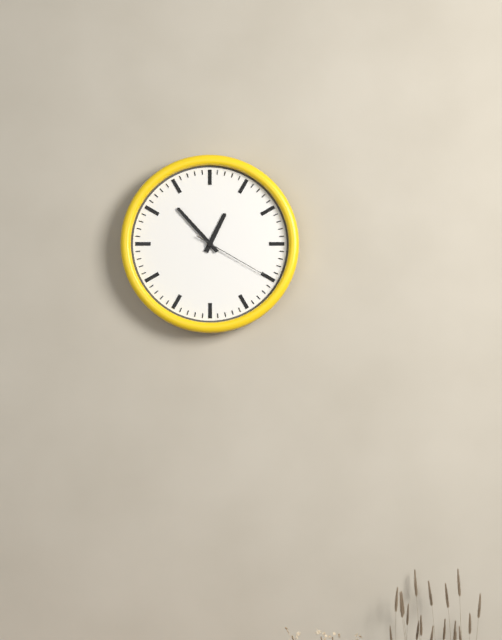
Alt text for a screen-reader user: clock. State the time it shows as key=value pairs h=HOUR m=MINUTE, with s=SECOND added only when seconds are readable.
h=12 m=53 s=20
